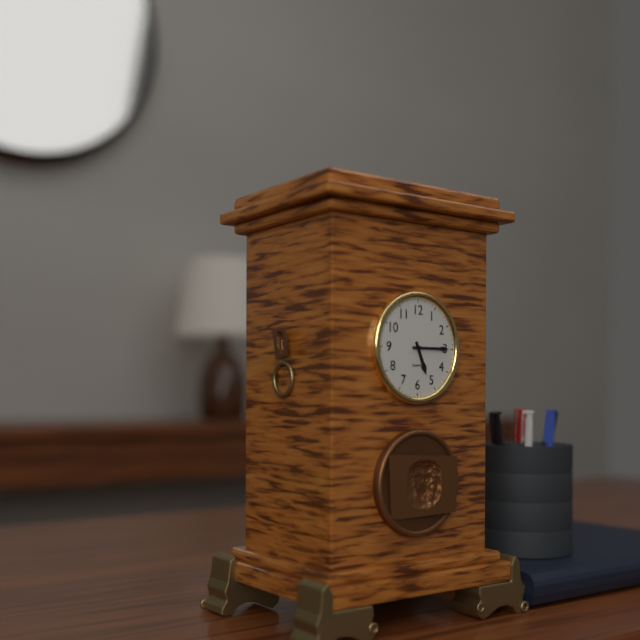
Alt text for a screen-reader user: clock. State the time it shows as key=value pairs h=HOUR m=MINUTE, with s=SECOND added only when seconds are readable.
h=5 m=15
